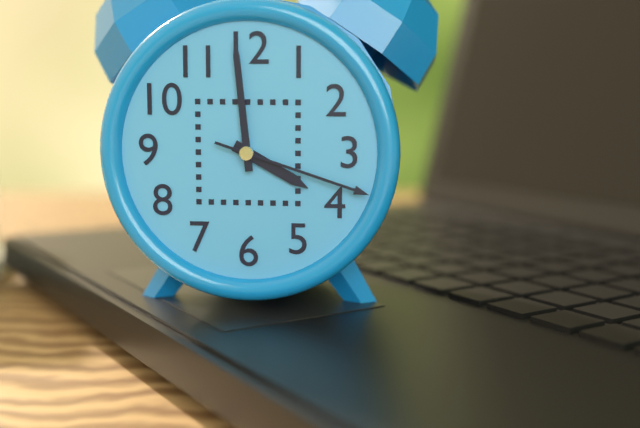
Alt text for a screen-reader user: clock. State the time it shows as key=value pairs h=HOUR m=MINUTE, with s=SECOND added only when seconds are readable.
h=3 m=59 s=18
